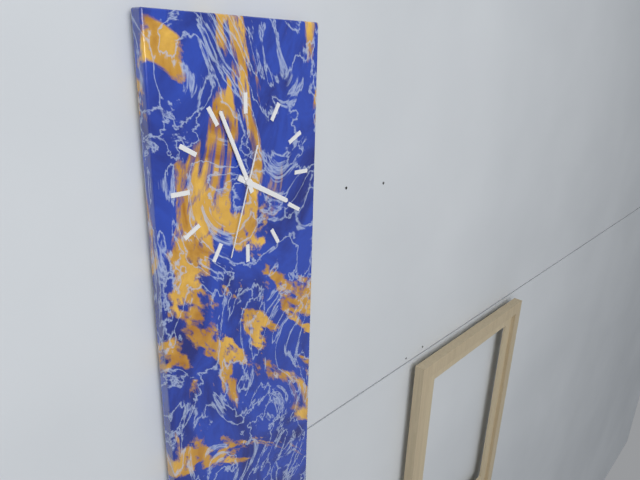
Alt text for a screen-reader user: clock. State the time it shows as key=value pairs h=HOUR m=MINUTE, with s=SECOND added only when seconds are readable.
h=3 m=56 s=33
